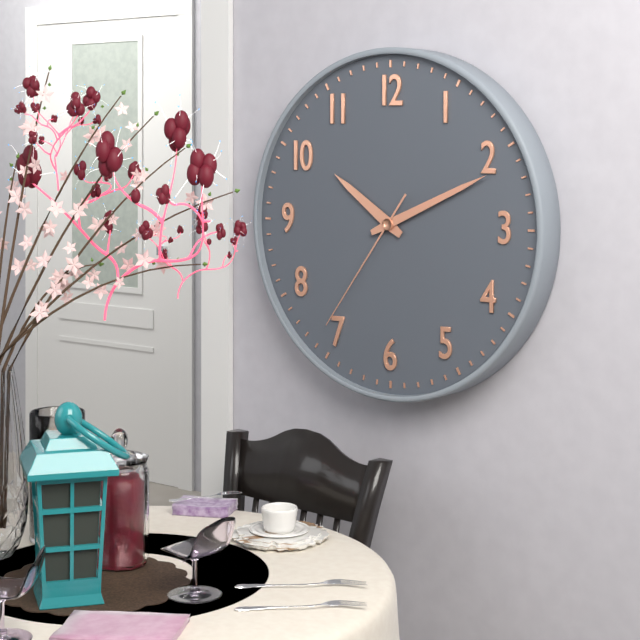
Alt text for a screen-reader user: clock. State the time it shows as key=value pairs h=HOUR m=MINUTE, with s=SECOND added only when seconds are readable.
h=10 m=11 s=36
